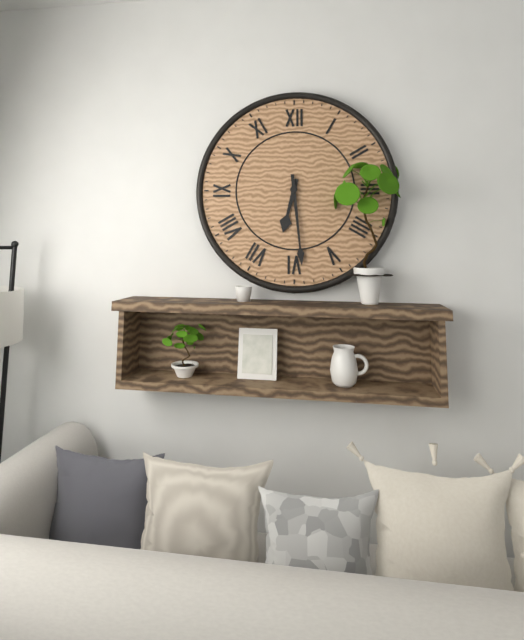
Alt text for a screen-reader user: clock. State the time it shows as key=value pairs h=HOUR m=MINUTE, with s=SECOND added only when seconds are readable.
h=6 m=29
